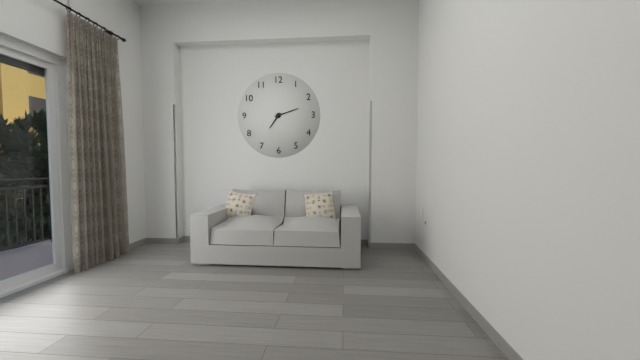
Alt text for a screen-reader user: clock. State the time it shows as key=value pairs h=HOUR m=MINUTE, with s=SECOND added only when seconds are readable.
h=7 m=12
